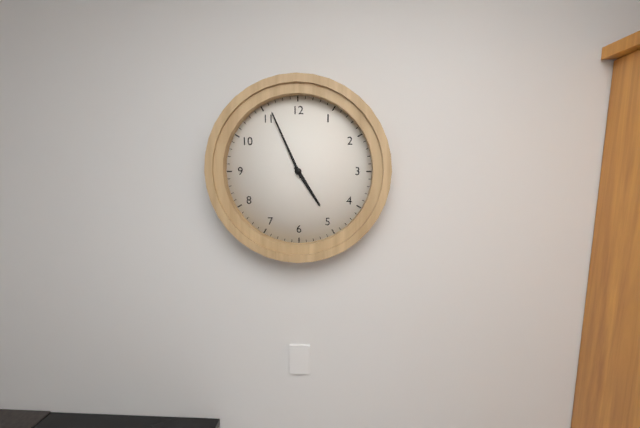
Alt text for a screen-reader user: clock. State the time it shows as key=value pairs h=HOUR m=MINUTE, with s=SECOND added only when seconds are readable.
h=4 m=56
